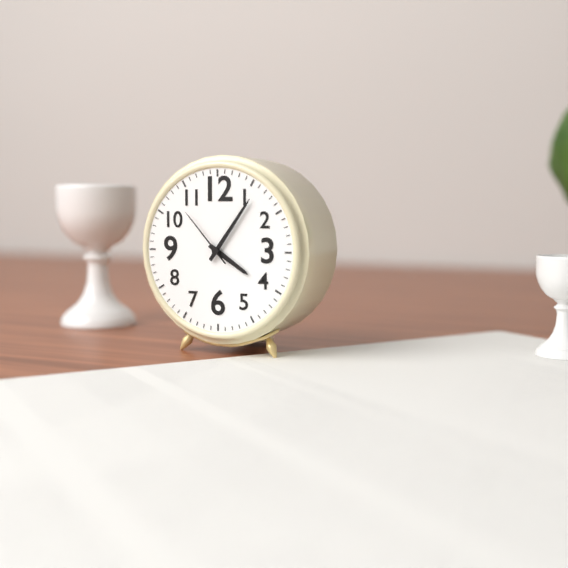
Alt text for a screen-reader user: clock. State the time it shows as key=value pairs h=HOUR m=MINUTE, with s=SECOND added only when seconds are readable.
h=4 m=6 s=53
